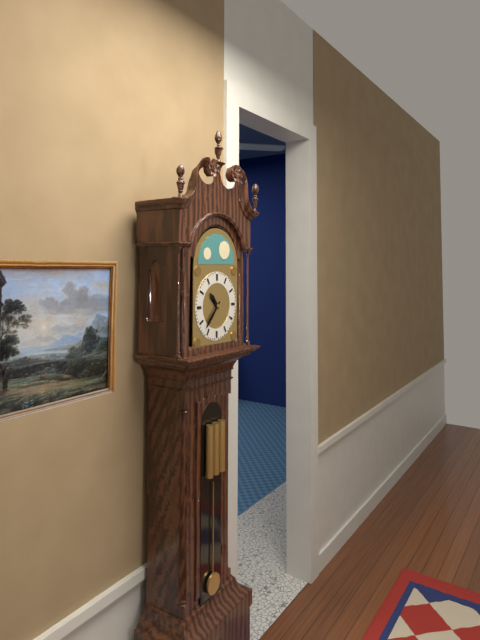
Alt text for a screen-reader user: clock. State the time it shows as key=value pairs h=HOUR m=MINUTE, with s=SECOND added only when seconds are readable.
h=10 m=37
